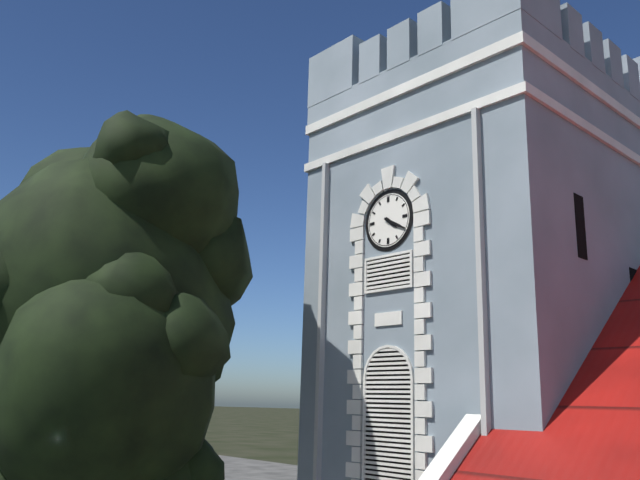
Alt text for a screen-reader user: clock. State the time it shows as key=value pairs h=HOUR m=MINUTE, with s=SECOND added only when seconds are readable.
h=4 m=20
